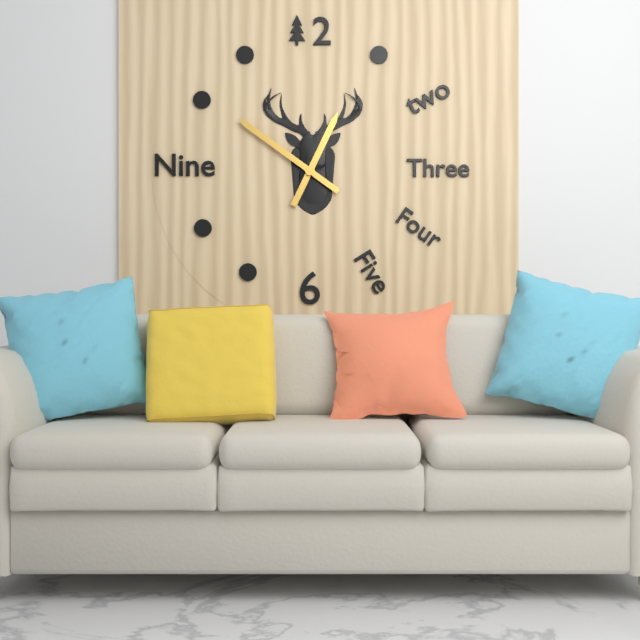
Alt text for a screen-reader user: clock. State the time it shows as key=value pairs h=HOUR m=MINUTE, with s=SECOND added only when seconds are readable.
h=12 m=51
